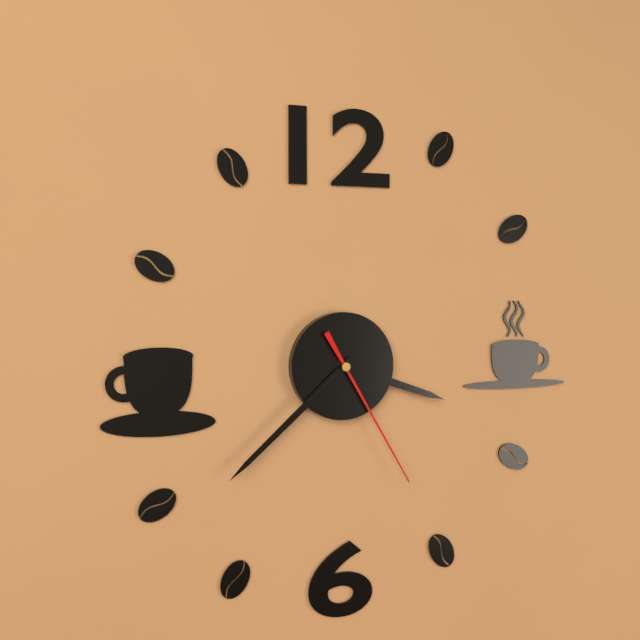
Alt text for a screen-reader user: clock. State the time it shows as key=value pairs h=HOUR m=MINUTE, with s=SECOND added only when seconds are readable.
h=3 m=38 s=25
